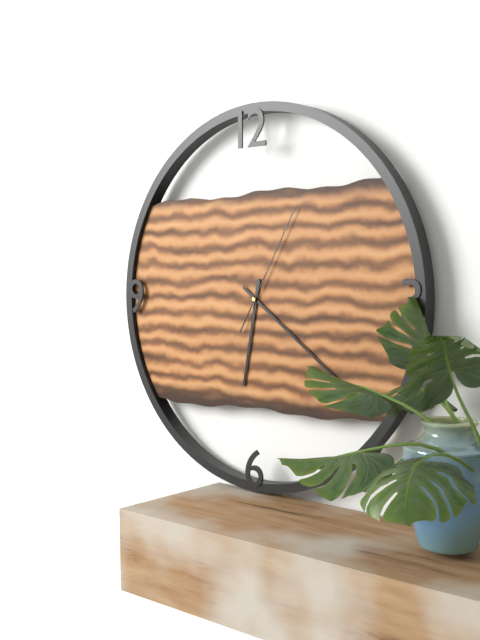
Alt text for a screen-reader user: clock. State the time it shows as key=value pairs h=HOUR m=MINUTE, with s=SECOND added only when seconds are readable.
h=6 m=21 s=5
